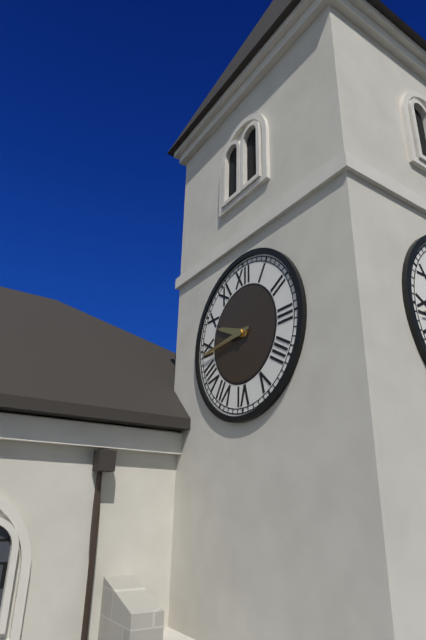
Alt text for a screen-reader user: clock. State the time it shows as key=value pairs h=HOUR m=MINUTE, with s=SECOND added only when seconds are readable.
h=9 m=44
